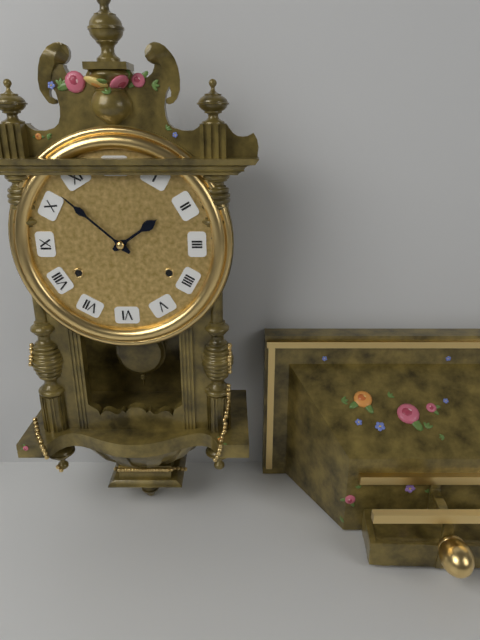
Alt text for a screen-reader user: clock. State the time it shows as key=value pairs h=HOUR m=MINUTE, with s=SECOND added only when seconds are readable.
h=1 m=52
